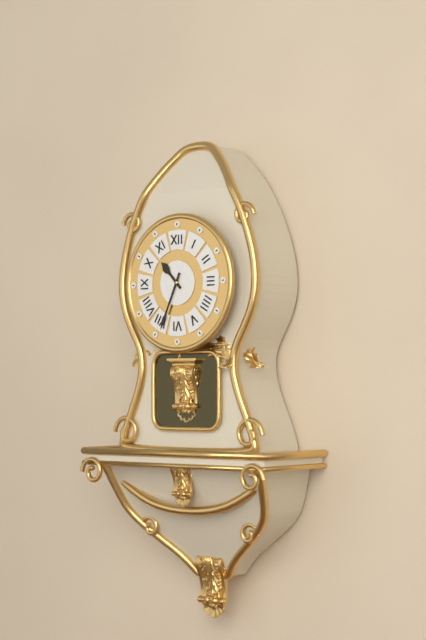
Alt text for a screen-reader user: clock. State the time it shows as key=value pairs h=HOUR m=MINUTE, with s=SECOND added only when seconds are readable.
h=10 m=34
